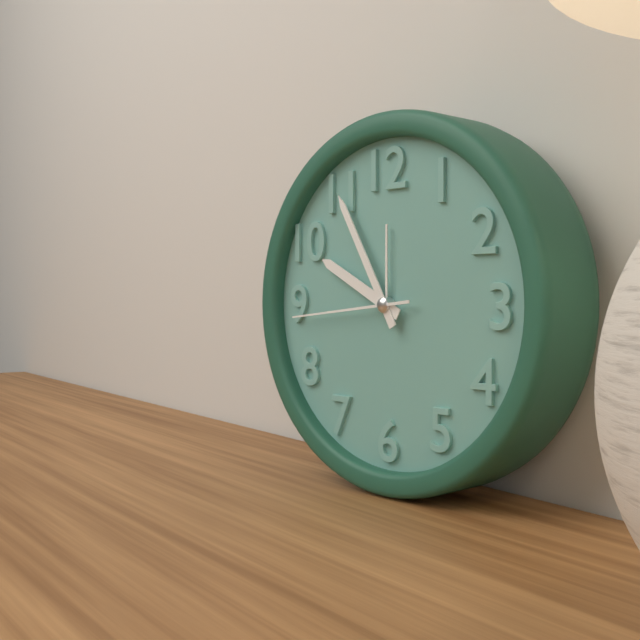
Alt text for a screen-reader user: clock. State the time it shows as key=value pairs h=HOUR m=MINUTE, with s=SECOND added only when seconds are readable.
h=9 m=55 s=44
